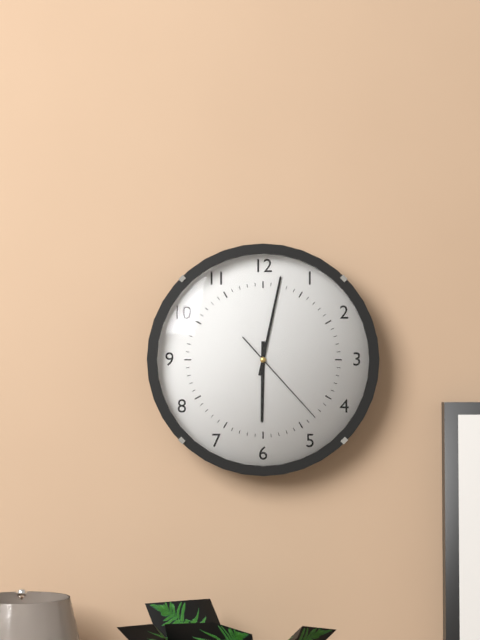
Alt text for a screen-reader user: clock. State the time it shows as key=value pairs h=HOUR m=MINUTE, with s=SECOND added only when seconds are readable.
h=6 m=2 s=23
